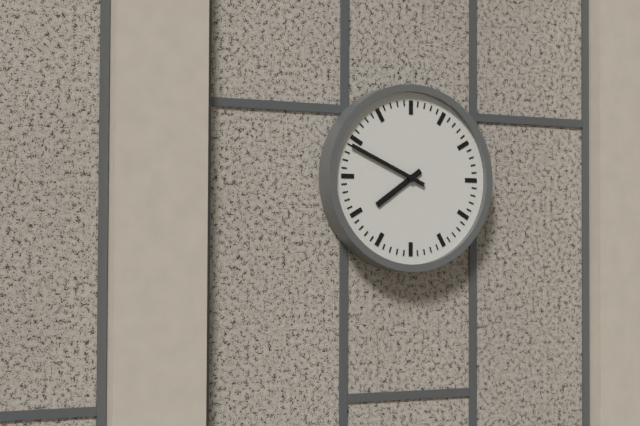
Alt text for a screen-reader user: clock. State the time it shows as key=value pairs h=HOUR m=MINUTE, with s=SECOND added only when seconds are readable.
h=7 m=49
